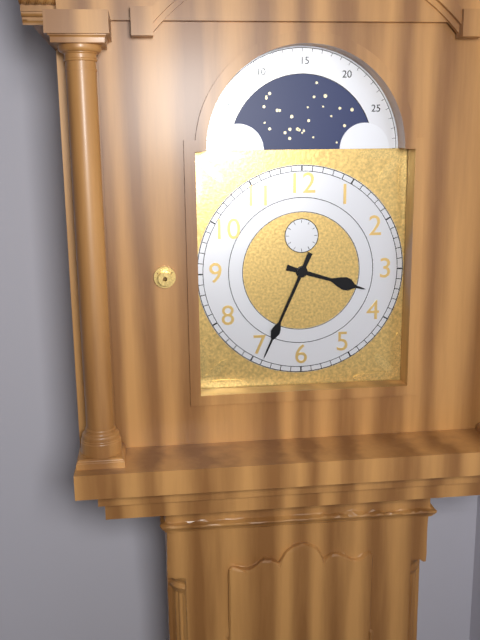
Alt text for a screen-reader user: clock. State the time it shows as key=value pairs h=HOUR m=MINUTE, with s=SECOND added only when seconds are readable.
h=3 m=34
